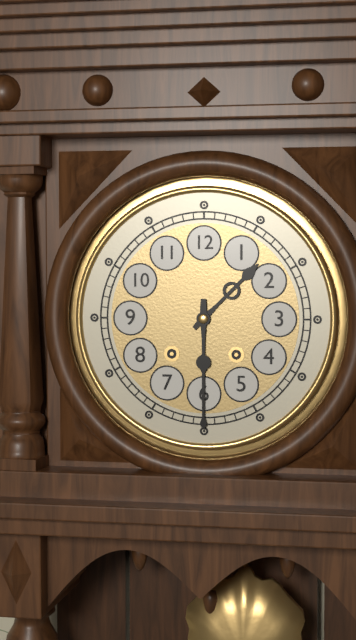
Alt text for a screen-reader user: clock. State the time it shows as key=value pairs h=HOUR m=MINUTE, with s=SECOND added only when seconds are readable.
h=1 m=30
